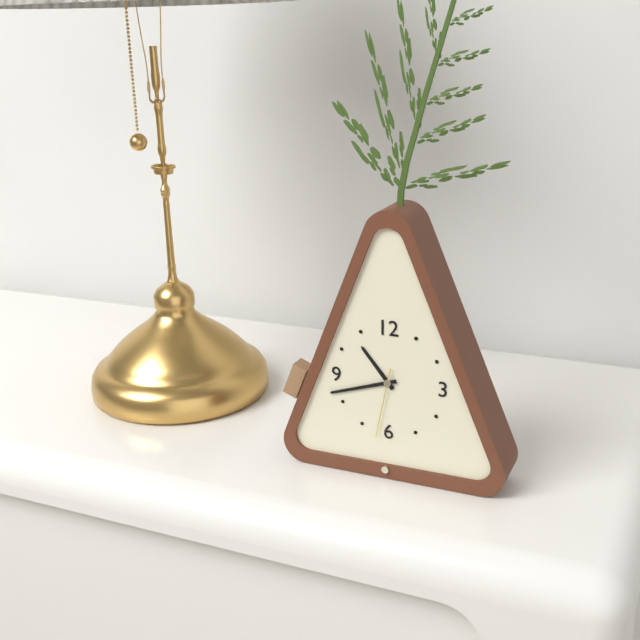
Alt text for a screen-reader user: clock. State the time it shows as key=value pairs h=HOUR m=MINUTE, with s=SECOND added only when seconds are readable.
h=10 m=42 s=32
